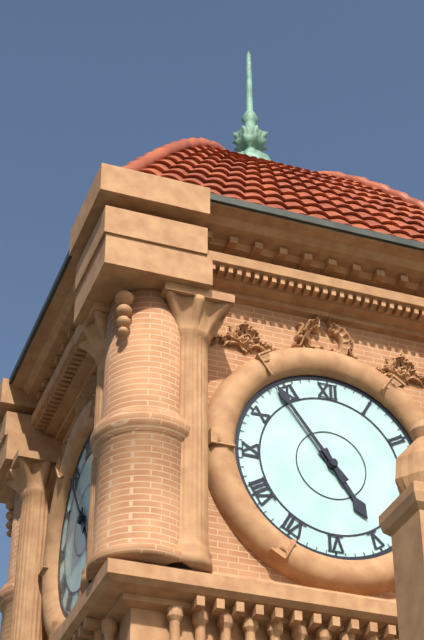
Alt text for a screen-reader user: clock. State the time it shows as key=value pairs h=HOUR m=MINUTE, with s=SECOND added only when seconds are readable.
h=4 m=54
